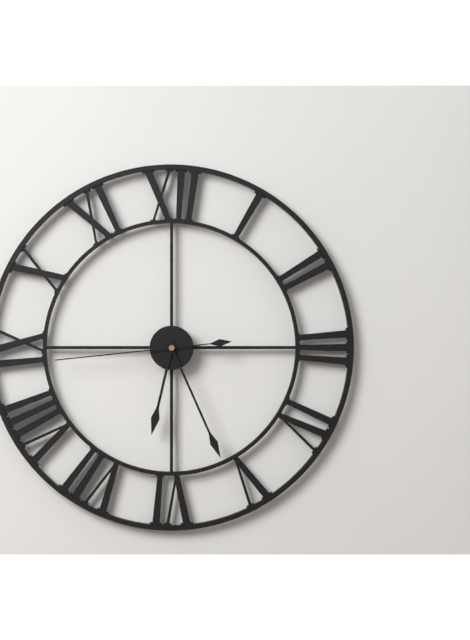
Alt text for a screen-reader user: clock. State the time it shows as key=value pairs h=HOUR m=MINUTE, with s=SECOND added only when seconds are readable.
h=6 m=26 s=44
